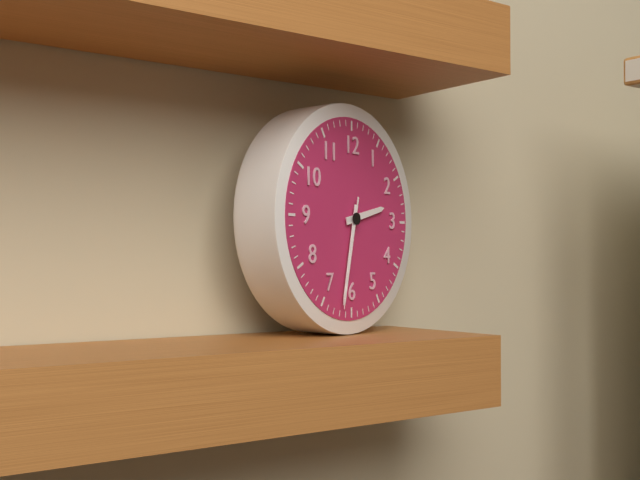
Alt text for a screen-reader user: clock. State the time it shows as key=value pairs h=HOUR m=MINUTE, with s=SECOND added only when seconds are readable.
h=2 m=32 s=32
